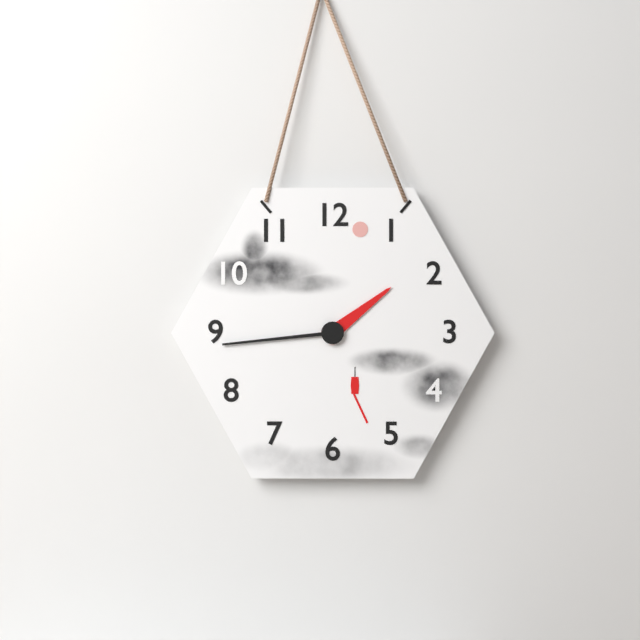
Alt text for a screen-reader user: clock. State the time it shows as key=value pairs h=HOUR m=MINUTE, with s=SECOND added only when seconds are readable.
h=1 m=44
